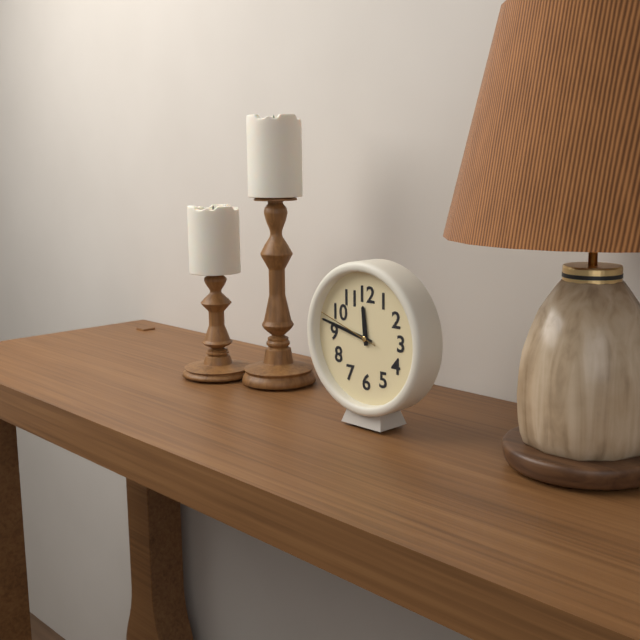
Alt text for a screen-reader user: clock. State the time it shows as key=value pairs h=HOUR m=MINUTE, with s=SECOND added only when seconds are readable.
h=11 m=47 s=48
